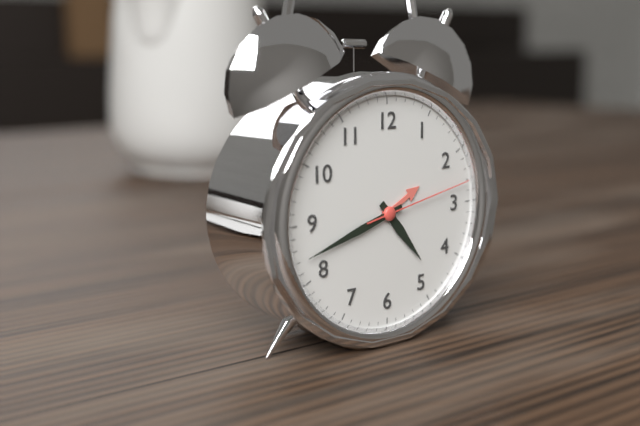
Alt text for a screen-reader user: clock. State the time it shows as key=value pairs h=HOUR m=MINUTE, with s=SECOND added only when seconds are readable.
h=4 m=42 s=13
